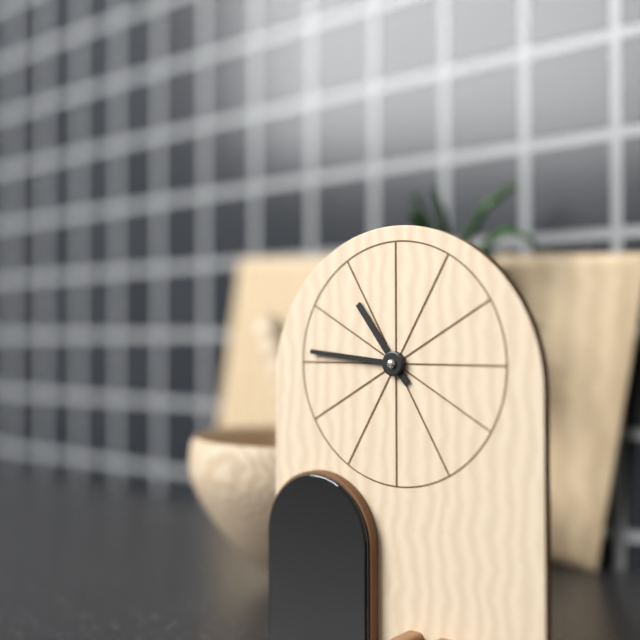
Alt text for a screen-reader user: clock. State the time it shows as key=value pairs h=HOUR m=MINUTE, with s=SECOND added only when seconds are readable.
h=10 m=46
